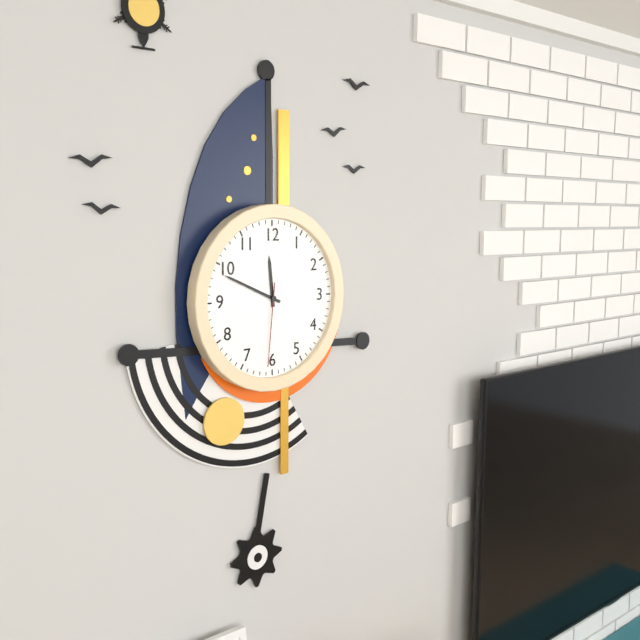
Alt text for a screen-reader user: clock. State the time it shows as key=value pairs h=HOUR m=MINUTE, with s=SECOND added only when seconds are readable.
h=11 m=49 s=31
